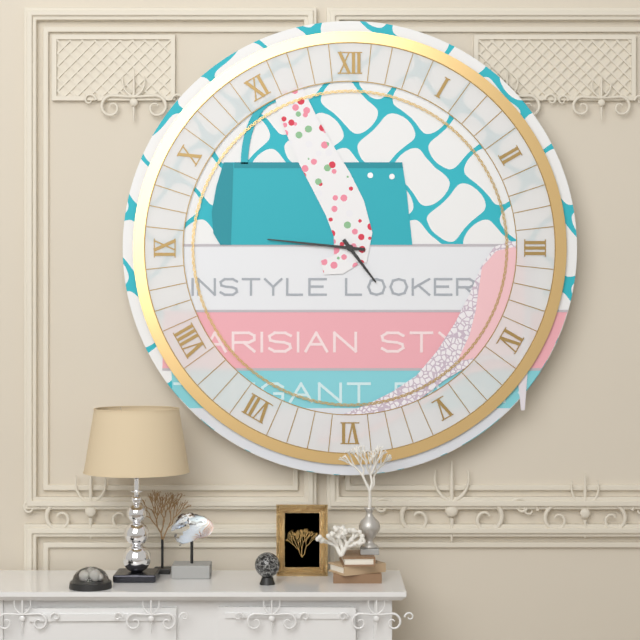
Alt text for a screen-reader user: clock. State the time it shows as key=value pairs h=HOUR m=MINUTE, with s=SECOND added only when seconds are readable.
h=4 m=46
